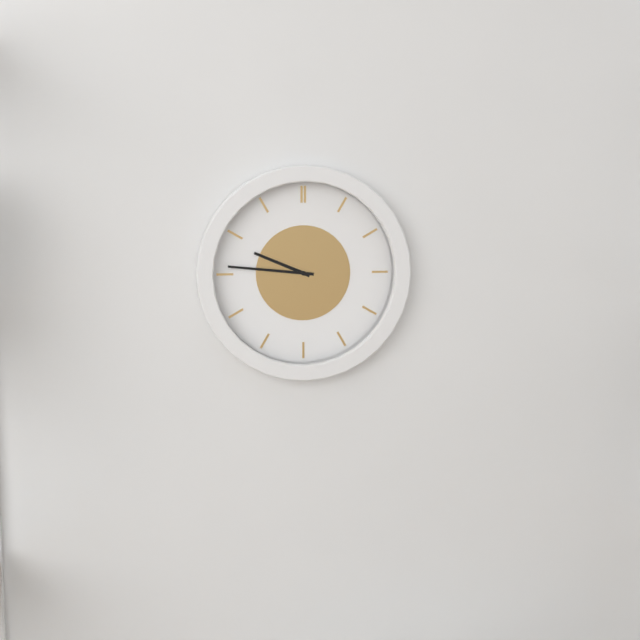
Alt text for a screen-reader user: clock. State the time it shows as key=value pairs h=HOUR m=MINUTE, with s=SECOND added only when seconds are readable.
h=9 m=46
